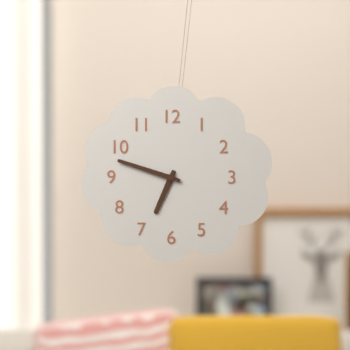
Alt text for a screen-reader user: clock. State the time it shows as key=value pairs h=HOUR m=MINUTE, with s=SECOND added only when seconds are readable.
h=6 m=48
